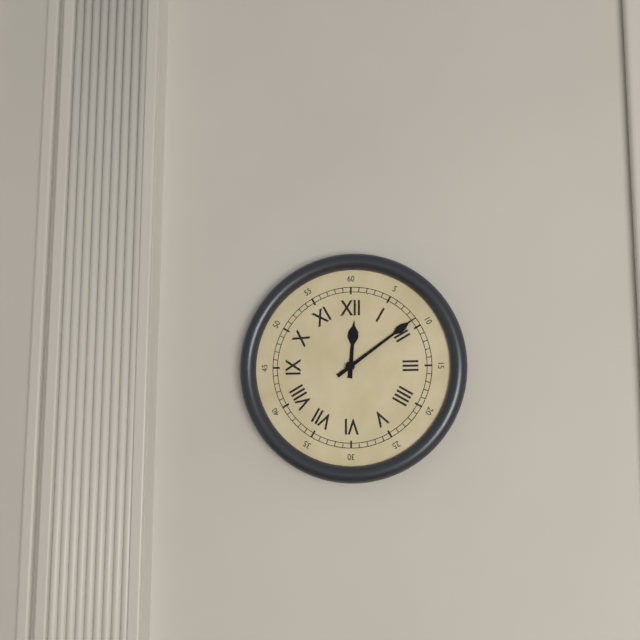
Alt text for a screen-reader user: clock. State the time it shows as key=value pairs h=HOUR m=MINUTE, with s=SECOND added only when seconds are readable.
h=12 m=9
